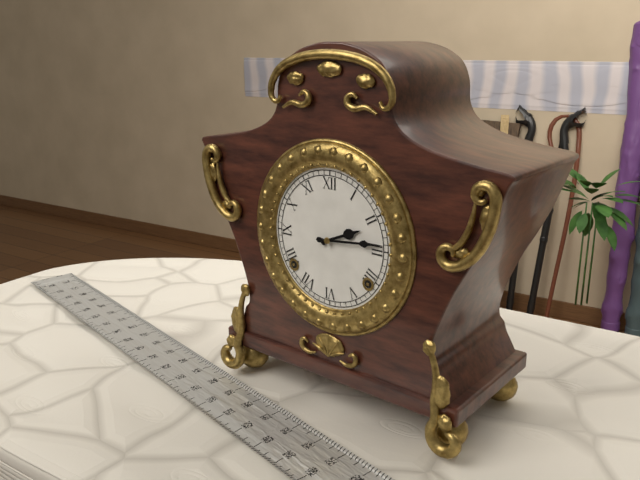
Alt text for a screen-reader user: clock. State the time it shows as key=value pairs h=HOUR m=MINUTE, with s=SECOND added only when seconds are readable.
h=2 m=14
